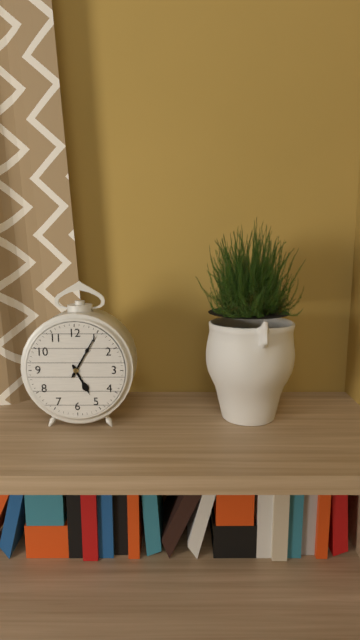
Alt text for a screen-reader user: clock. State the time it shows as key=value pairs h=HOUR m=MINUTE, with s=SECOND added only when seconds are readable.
h=5 m=5
